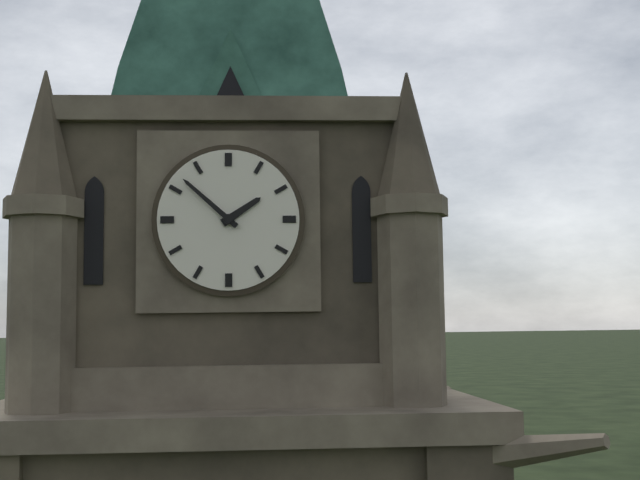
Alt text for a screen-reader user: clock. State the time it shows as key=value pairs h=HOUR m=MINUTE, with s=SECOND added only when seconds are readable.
h=1 m=52
